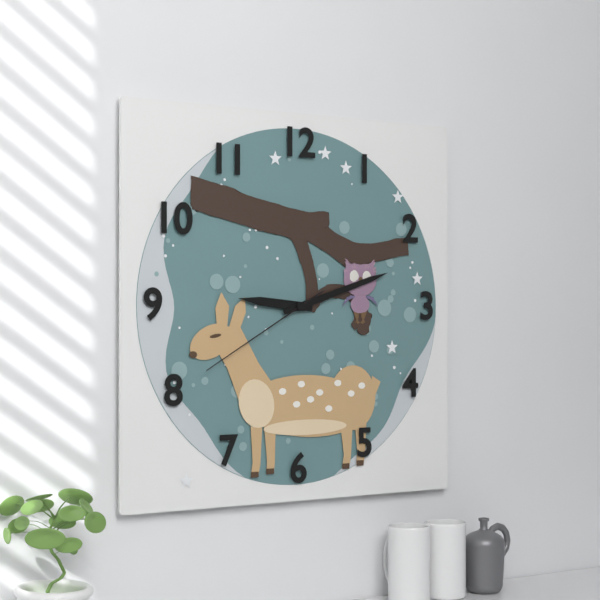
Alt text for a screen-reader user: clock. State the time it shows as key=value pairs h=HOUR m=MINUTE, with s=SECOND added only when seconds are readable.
h=9 m=12 s=40
